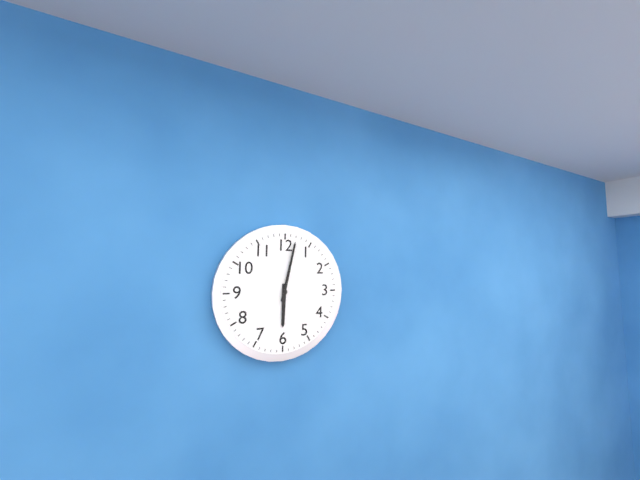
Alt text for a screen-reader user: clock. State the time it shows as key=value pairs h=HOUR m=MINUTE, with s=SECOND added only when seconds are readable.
h=6 m=2
